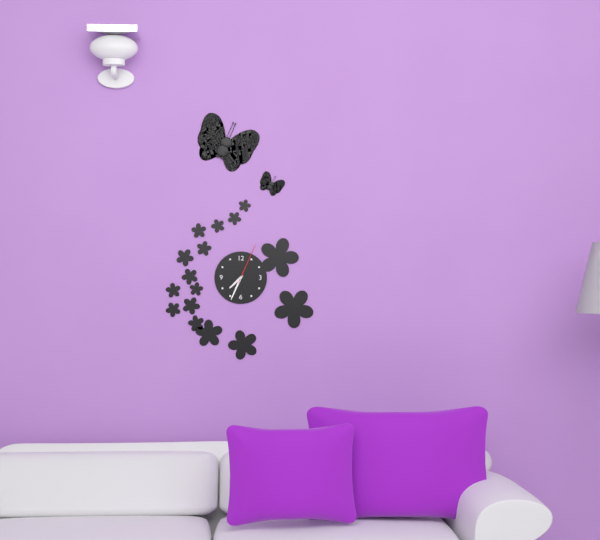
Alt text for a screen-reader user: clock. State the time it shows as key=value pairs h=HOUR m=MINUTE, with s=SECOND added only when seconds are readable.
h=7 m=34
